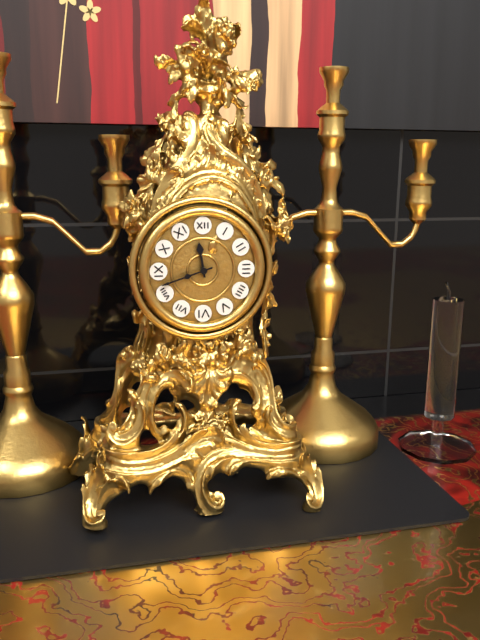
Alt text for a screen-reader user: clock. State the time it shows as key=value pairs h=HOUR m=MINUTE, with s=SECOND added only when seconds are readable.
h=11 m=42
